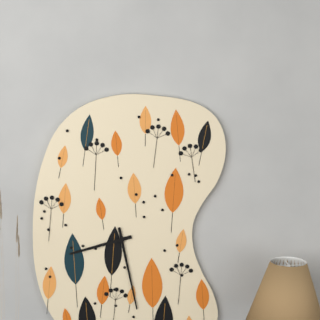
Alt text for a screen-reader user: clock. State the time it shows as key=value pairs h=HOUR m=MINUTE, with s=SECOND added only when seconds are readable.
h=8 m=28
